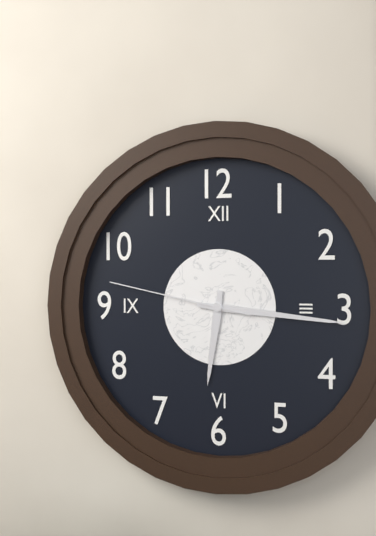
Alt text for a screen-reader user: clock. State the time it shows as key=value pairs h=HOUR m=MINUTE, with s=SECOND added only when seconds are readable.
h=6 m=16 s=47
